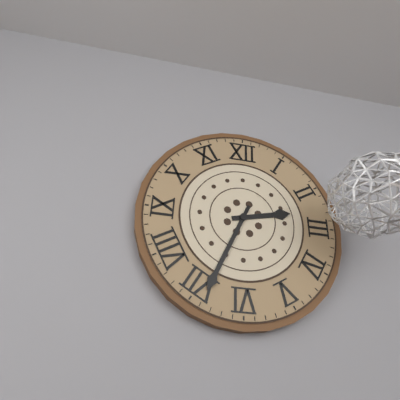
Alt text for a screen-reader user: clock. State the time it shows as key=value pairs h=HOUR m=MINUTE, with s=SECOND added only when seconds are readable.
h=2 m=34
